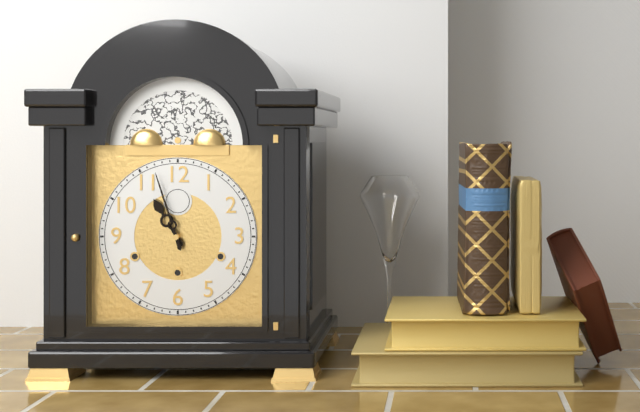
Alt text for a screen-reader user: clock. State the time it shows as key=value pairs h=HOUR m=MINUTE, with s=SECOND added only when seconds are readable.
h=10 m=57
